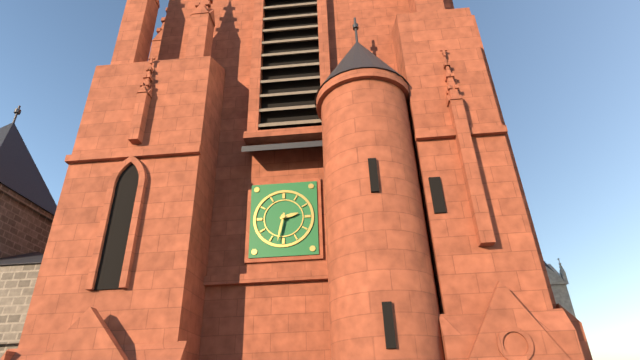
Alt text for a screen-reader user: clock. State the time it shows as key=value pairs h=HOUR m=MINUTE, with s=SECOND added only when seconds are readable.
h=2 m=32
